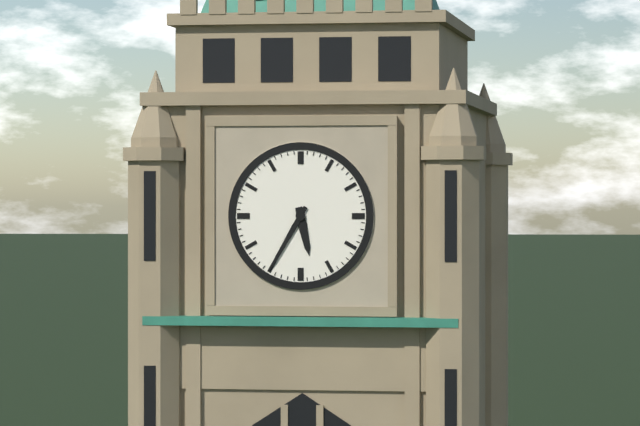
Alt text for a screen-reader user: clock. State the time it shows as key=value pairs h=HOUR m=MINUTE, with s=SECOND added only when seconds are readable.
h=5 m=35
